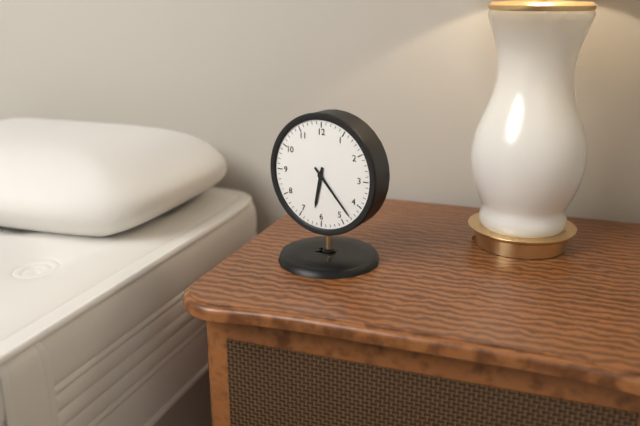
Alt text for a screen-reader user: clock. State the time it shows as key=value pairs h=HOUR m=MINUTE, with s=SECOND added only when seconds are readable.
h=6 m=23
